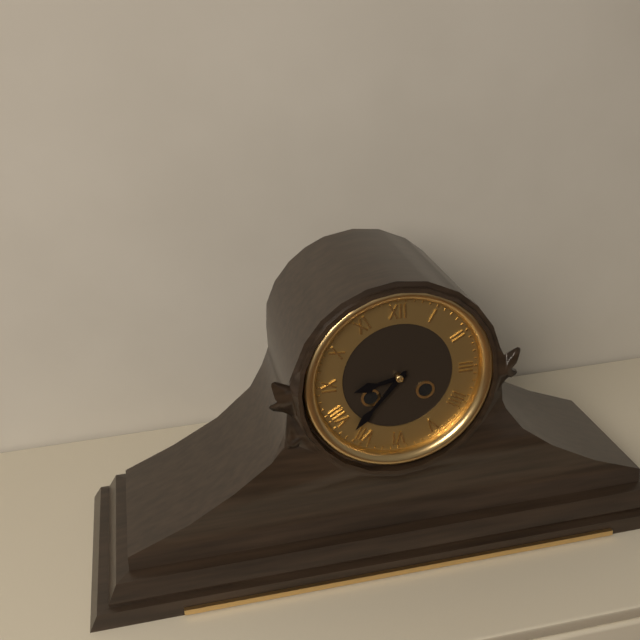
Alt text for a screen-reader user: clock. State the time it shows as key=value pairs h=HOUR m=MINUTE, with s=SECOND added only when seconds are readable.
h=8 m=37
